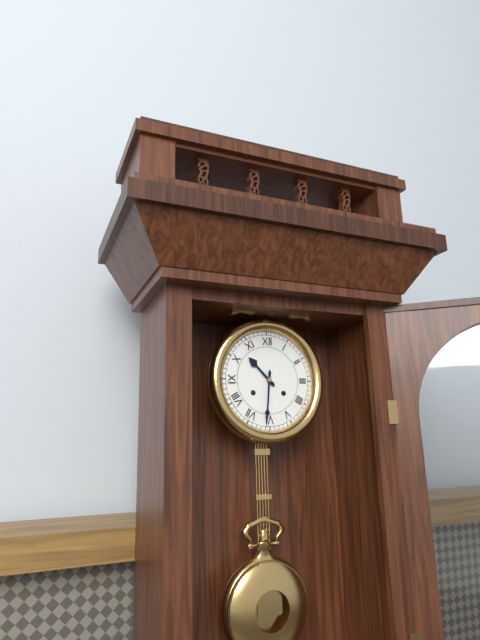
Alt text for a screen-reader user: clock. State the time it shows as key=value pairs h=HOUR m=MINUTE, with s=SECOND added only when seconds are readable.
h=10 m=31
